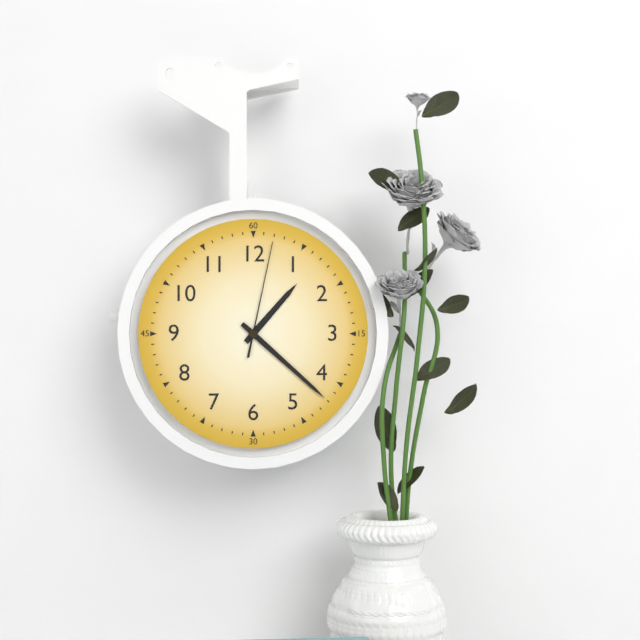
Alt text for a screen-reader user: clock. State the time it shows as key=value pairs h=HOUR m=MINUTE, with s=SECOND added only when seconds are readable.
h=1 m=22 s=2
